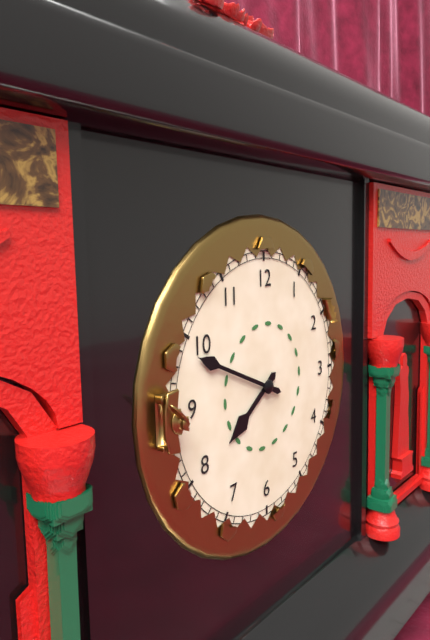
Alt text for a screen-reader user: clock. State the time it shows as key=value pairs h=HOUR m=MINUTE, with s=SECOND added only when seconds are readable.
h=7 m=49
